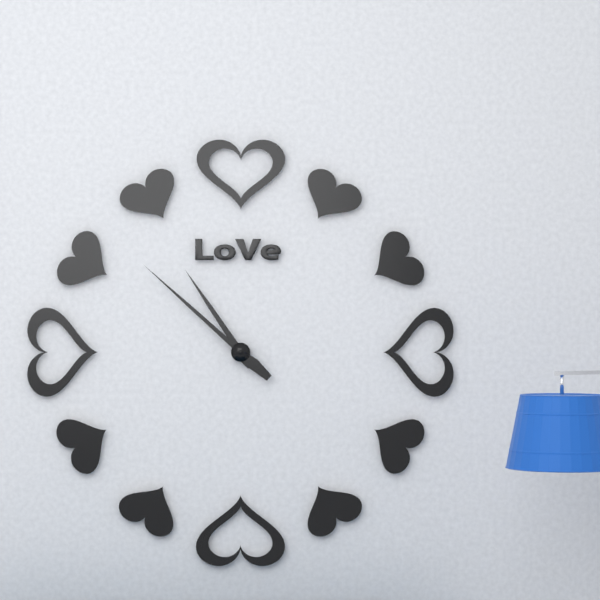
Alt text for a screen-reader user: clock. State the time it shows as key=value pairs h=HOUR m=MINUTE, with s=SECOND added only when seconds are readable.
h=10 m=52
